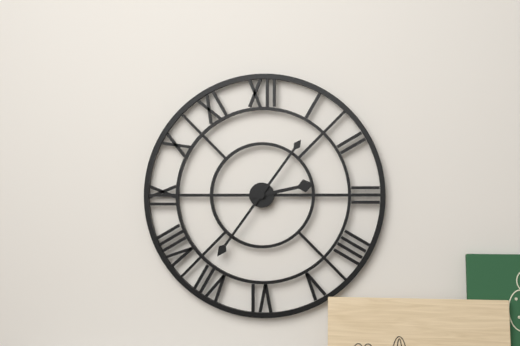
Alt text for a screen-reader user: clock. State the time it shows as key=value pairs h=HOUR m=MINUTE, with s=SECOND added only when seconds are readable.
h=2 m=36
